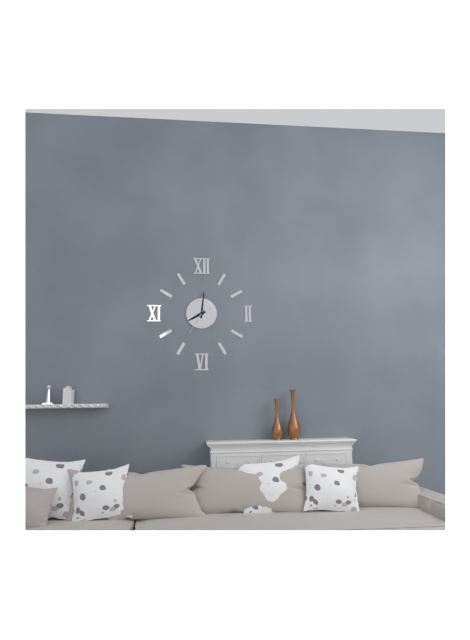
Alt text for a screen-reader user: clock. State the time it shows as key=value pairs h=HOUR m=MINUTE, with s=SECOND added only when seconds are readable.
h=8 m=1
